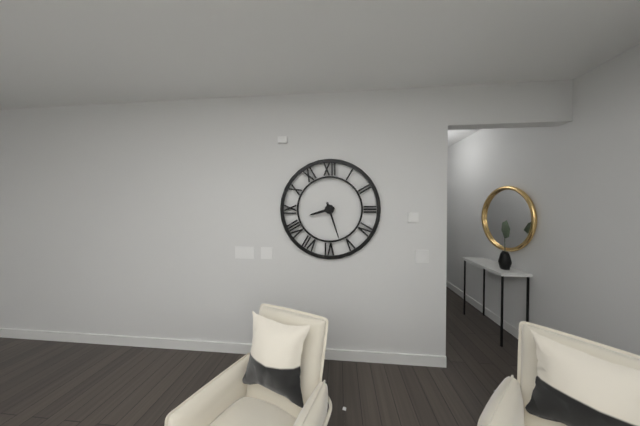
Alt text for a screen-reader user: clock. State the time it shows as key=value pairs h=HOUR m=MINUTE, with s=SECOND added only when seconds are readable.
h=8 m=27
